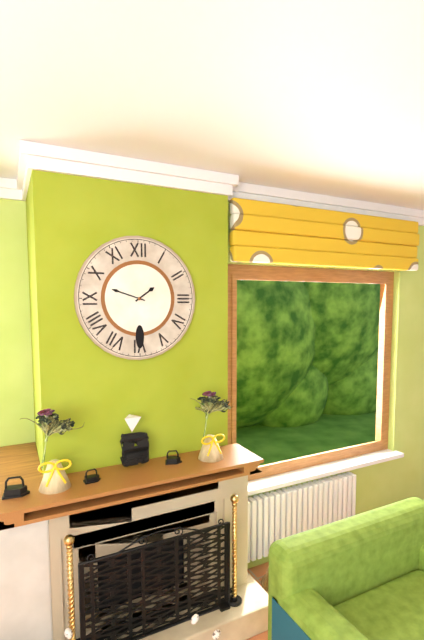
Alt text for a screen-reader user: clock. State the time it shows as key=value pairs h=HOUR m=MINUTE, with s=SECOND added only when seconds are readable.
h=1 m=48
